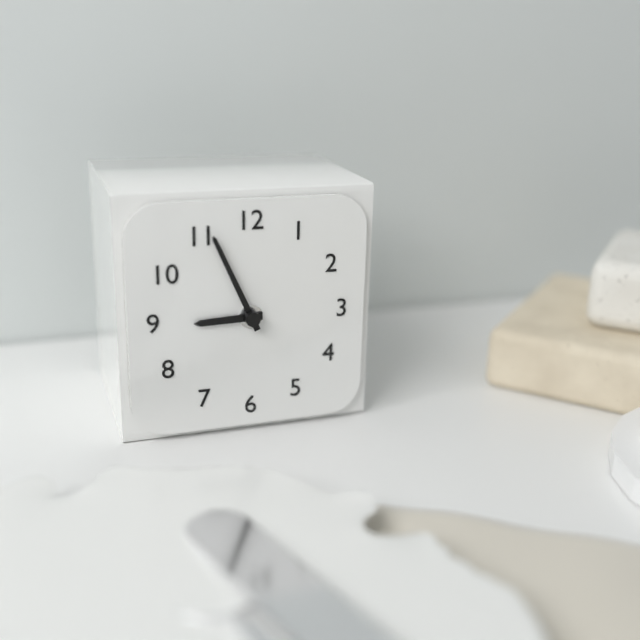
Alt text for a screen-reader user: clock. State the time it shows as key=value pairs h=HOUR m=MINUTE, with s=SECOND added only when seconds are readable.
h=8 m=56
